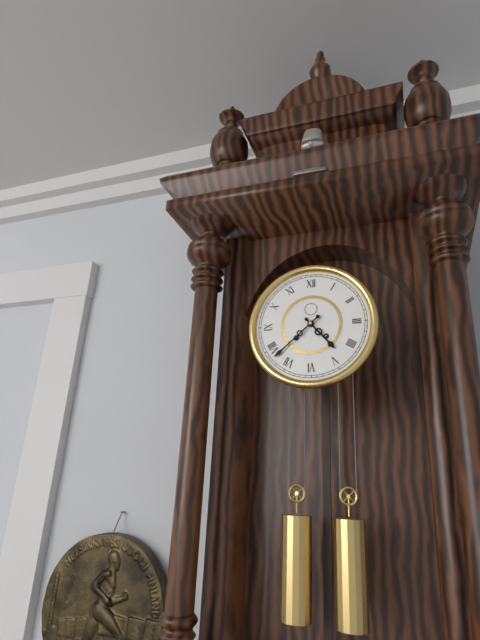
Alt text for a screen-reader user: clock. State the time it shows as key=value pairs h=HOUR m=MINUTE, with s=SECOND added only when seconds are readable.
h=4 m=38
